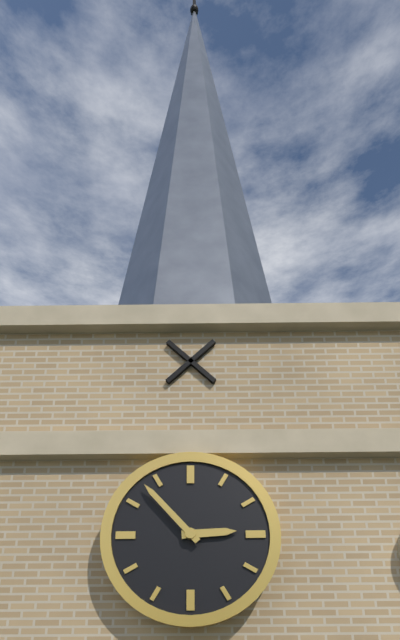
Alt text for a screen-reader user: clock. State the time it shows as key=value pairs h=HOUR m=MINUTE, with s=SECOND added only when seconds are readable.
h=2 m=53
